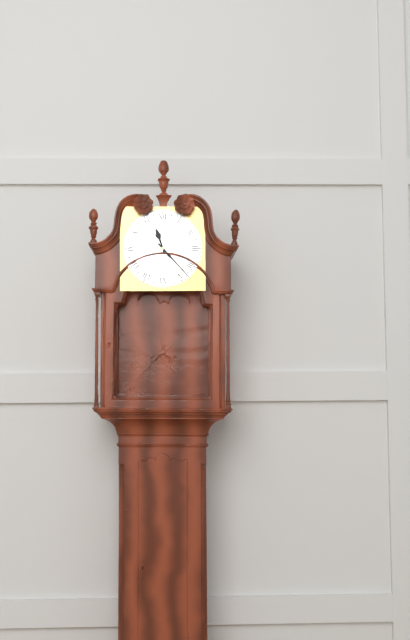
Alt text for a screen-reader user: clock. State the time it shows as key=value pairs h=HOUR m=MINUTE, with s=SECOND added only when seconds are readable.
h=11 m=23
